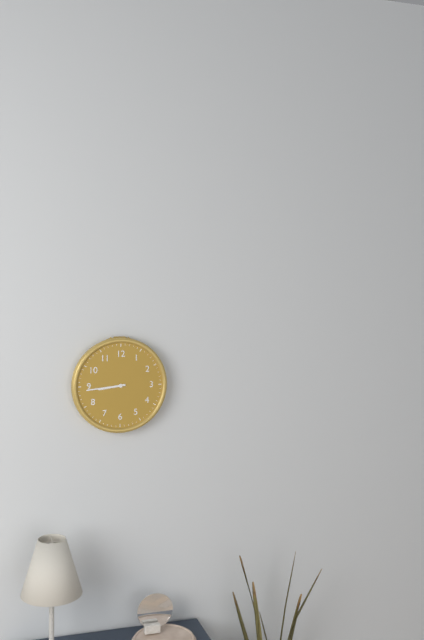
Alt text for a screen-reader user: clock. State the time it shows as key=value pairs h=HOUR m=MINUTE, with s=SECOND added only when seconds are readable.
h=8 m=44
